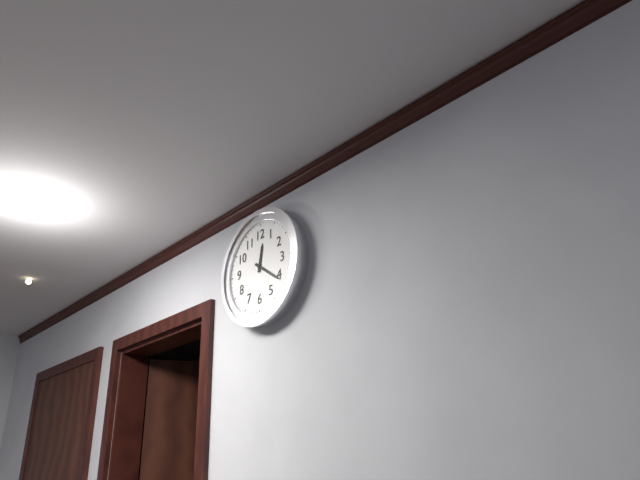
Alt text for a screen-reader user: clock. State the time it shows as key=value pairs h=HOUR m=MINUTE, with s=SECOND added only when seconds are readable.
h=12 m=21
